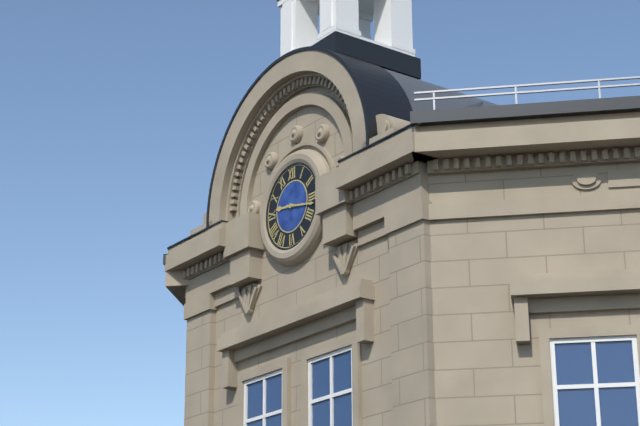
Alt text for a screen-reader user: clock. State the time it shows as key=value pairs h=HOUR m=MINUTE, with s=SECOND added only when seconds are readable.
h=9 m=17
